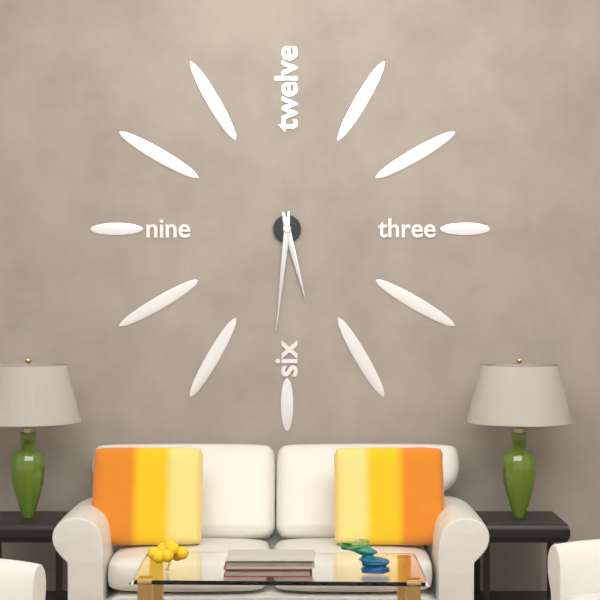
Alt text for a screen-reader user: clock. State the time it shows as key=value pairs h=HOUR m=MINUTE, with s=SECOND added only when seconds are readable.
h=5 m=31
